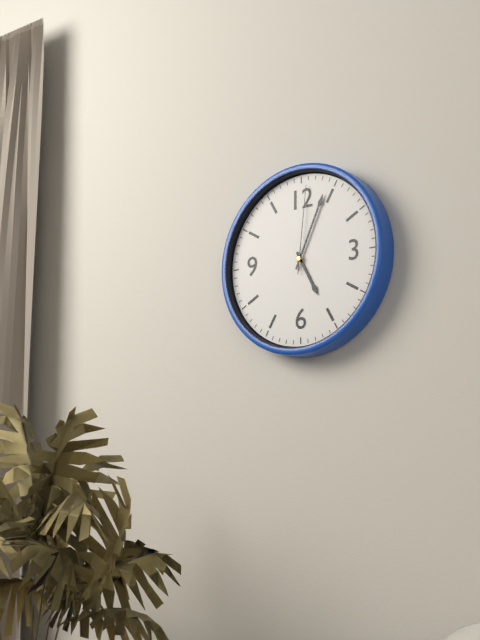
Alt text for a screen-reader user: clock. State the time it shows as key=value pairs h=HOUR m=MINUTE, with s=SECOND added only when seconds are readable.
h=5 m=4 s=1
